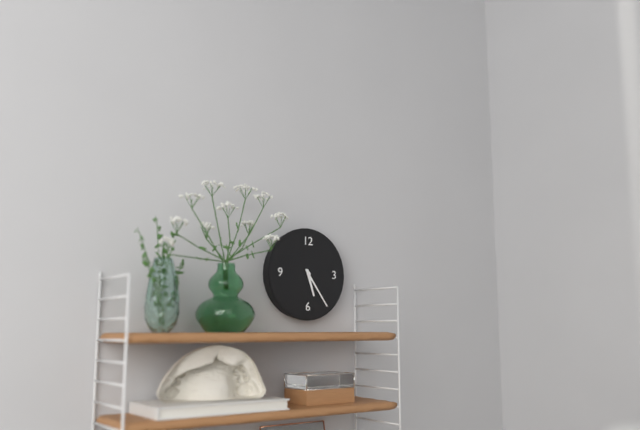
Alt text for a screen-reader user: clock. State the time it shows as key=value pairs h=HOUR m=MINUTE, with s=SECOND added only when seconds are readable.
h=5 m=24
